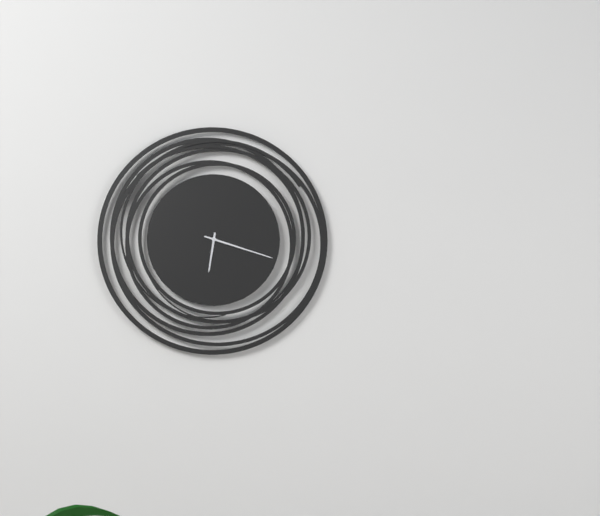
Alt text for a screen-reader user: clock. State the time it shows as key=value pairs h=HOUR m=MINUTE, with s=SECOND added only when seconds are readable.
h=6 m=18
